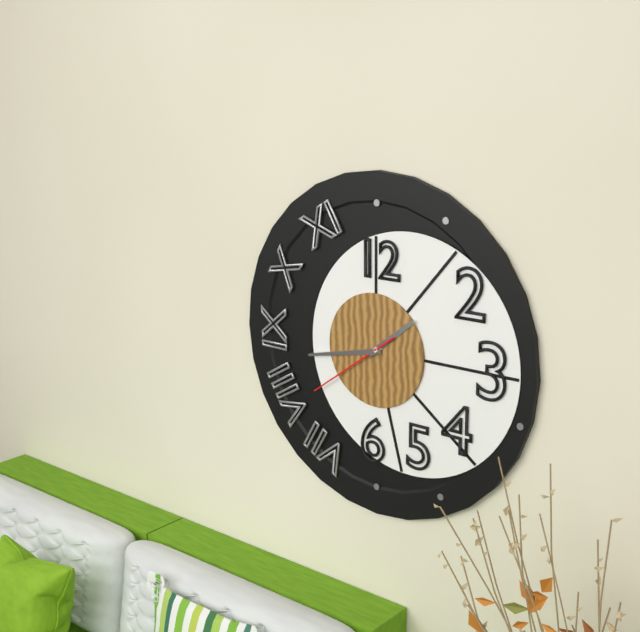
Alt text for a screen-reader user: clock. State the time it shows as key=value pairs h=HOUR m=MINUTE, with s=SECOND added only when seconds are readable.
h=1 m=43 s=39
